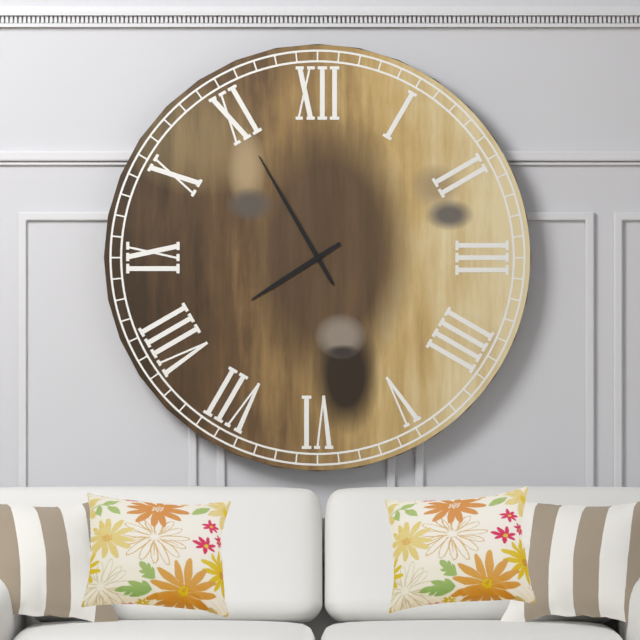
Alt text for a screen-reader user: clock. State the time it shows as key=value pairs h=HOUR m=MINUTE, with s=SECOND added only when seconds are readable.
h=7 m=55
